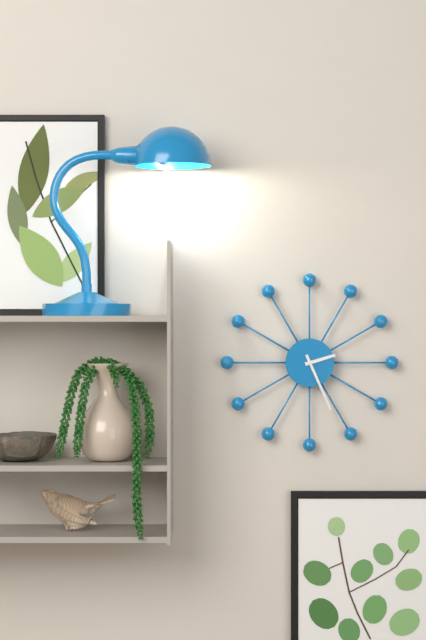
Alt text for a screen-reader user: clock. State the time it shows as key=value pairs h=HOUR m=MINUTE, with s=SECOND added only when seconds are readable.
h=2 m=26
